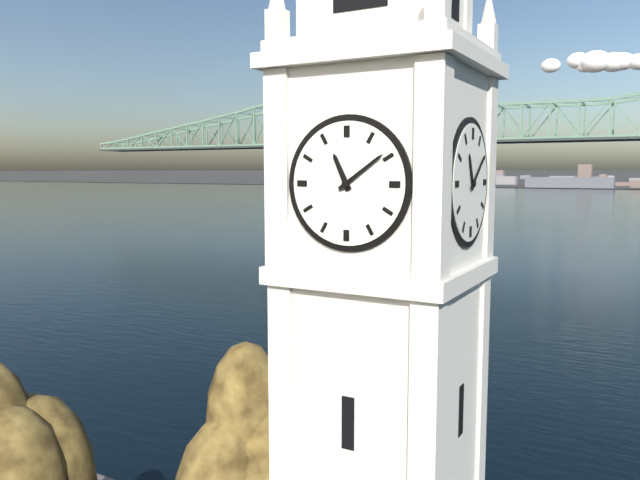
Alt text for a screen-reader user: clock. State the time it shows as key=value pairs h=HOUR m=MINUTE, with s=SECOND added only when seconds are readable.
h=11 m=9
